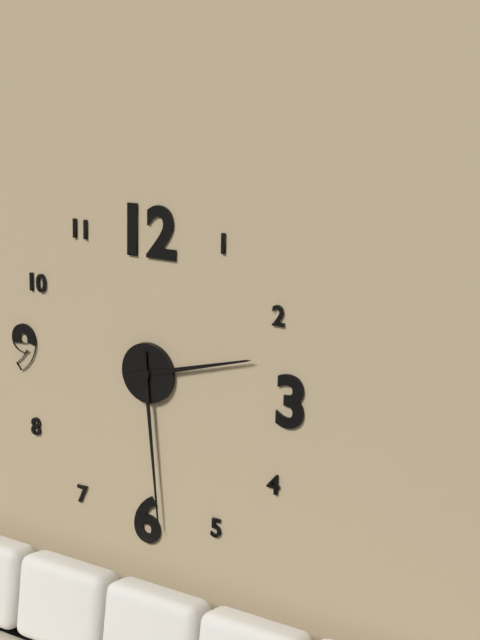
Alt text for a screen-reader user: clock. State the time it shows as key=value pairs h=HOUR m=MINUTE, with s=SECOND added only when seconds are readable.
h=2 m=29
